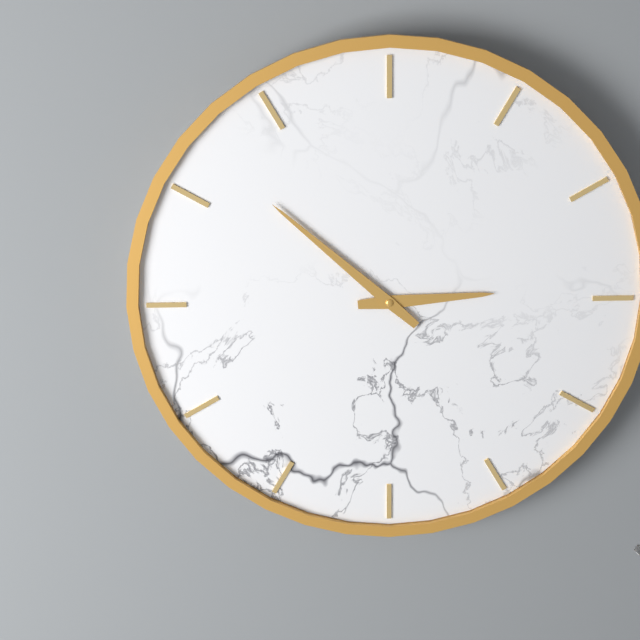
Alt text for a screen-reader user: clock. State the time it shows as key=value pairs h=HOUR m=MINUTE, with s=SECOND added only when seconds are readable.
h=2 m=52
